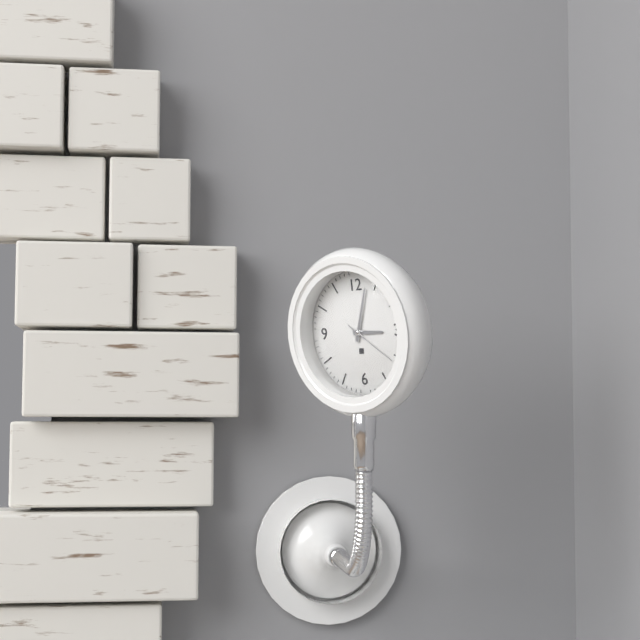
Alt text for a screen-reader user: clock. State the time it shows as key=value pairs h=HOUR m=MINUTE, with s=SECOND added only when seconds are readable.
h=3 m=3 s=21
